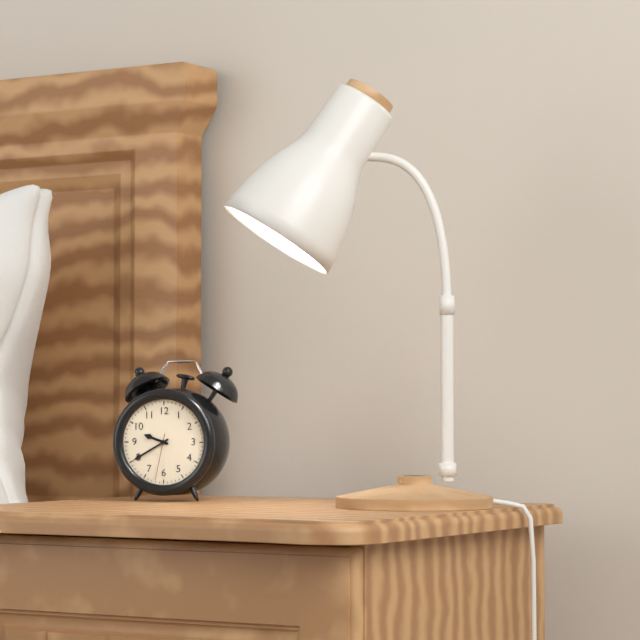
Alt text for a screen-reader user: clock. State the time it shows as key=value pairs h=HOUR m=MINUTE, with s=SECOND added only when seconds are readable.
h=9 m=40
